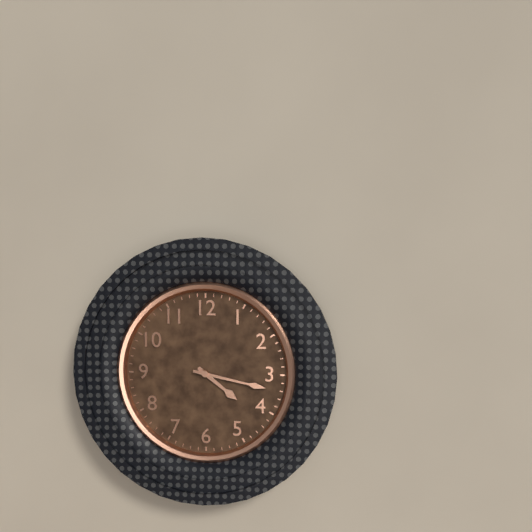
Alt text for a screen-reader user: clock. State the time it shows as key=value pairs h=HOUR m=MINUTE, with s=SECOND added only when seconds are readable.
h=4 m=17
